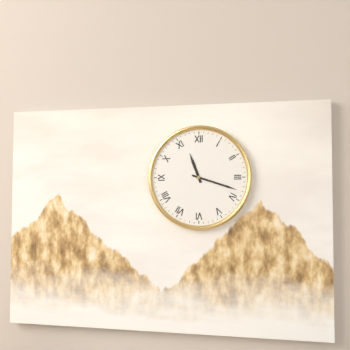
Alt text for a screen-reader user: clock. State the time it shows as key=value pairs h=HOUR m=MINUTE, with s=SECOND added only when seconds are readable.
h=11 m=18
